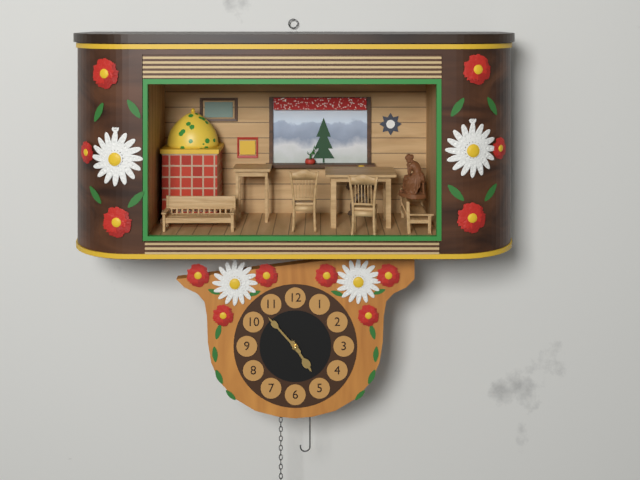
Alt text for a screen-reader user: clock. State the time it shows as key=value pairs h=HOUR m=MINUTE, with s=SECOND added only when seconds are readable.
h=4 m=53
